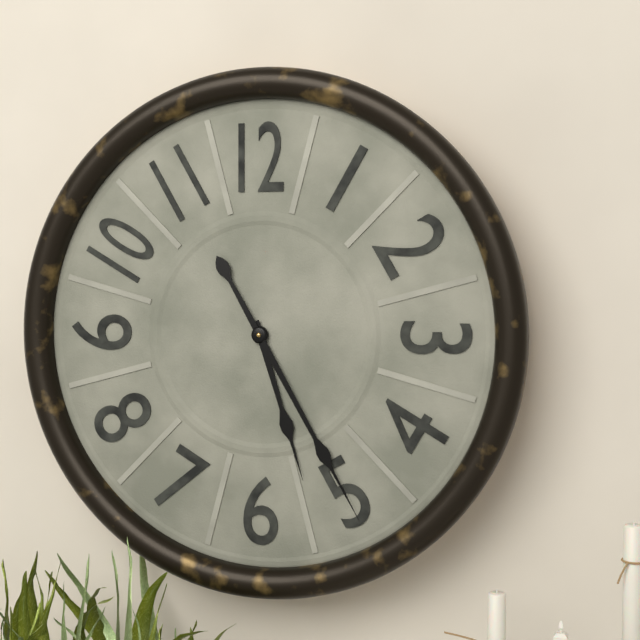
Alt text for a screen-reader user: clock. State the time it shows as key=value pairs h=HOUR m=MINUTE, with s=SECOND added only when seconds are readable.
h=5 m=25
